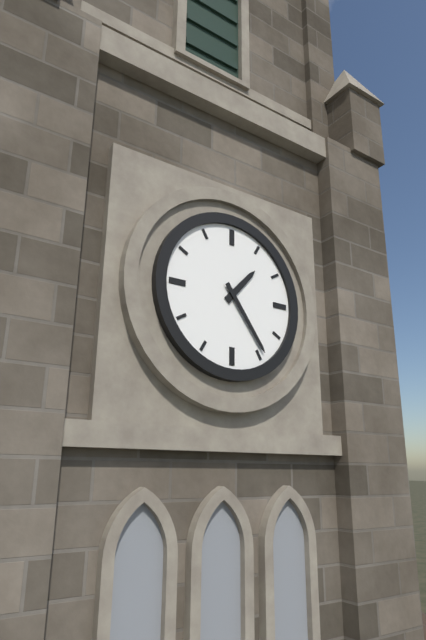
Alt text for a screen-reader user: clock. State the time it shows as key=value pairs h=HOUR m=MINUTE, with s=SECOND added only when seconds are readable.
h=1 m=24
